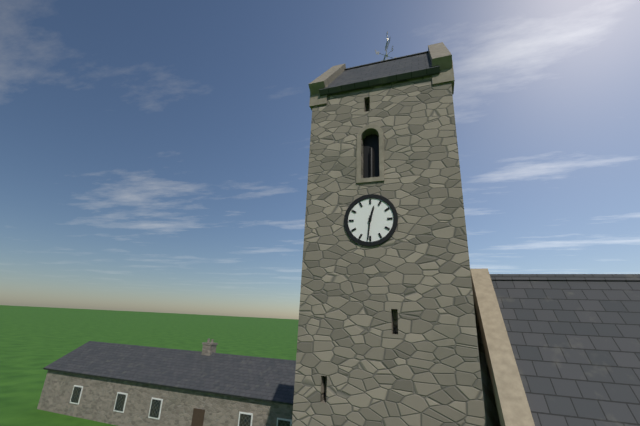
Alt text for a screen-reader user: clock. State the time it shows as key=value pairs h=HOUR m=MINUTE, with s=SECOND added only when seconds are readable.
h=12 m=31
